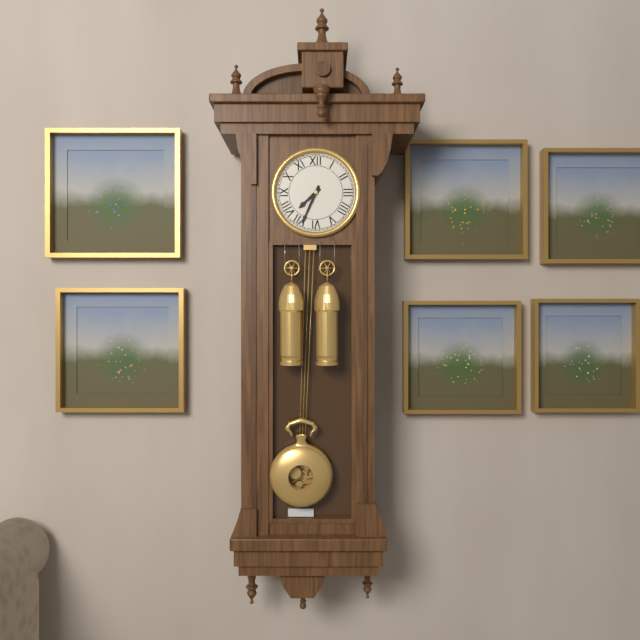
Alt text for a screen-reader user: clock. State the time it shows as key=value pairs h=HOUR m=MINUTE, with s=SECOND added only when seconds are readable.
h=7 m=34
